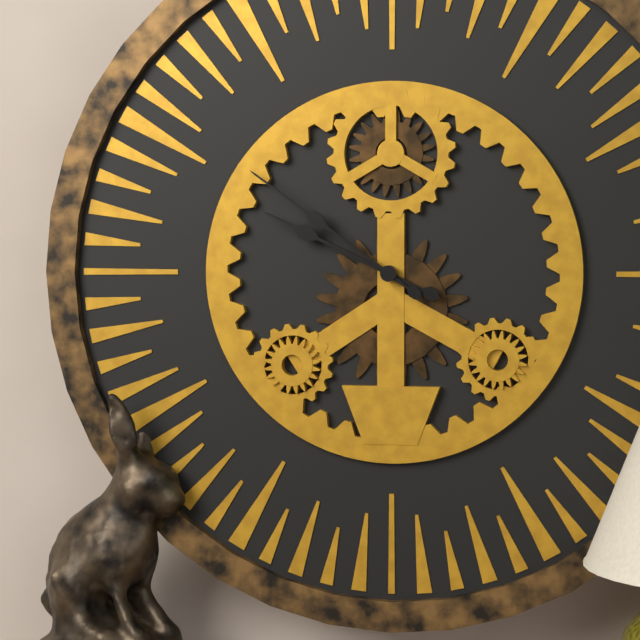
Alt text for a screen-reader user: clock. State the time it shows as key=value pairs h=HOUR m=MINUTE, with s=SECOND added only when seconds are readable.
h=9 m=51
